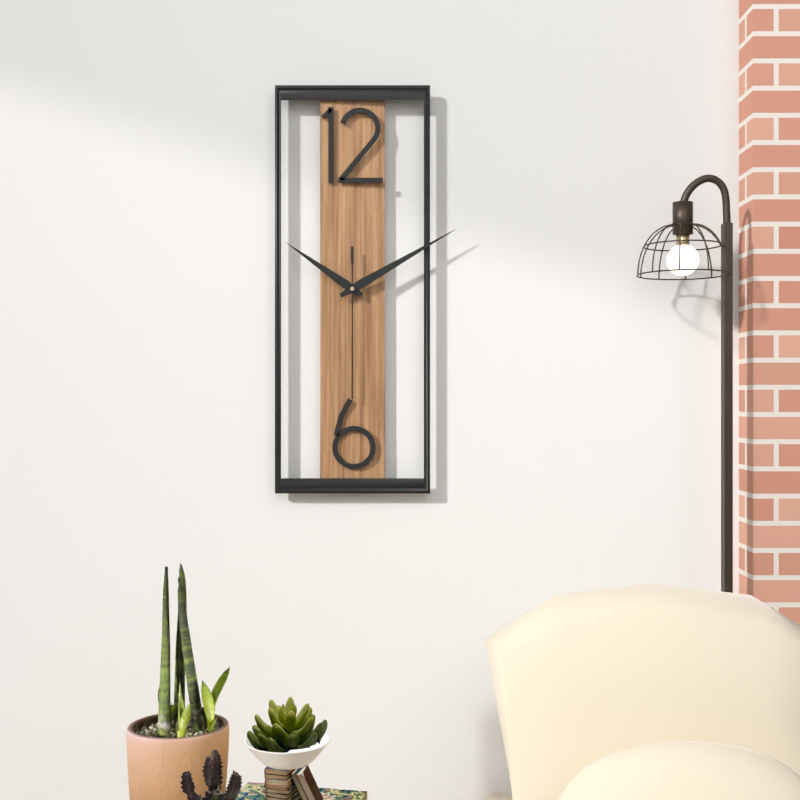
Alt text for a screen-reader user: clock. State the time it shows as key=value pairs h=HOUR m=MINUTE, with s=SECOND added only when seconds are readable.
h=10 m=10 s=30
